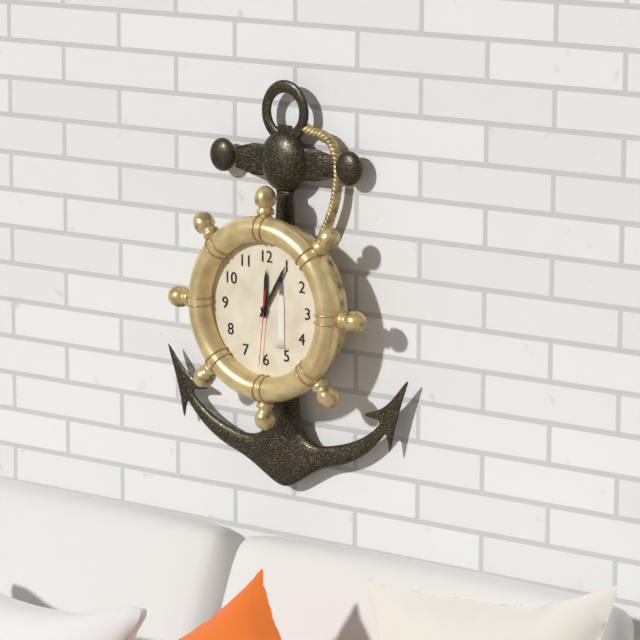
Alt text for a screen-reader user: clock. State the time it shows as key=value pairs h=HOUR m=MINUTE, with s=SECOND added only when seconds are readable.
h=12 m=5 s=31
